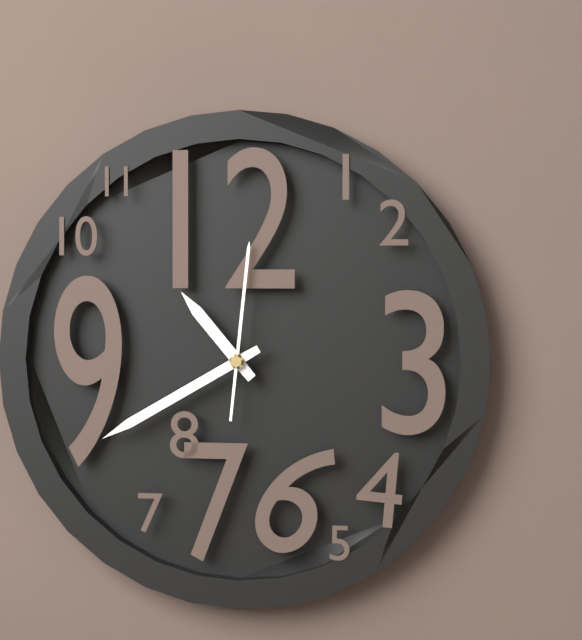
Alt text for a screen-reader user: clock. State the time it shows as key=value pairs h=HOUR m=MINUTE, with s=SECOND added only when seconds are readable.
h=10 m=40 s=1
